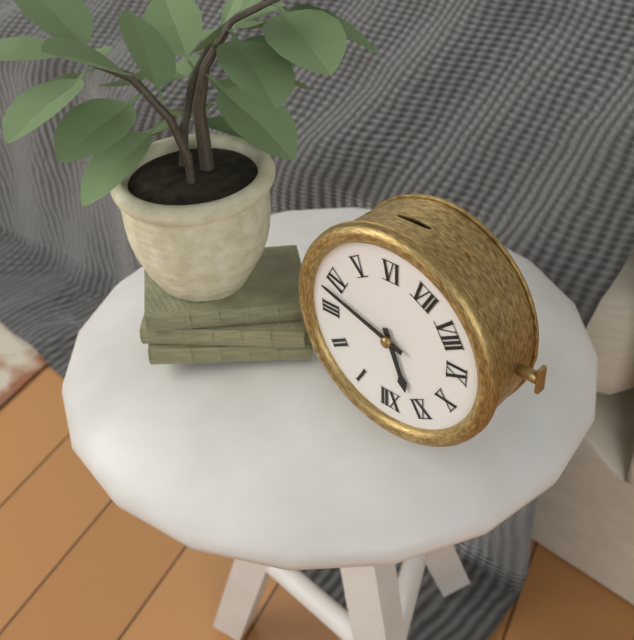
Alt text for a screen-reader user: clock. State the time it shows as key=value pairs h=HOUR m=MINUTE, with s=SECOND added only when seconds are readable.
h=11 m=18
